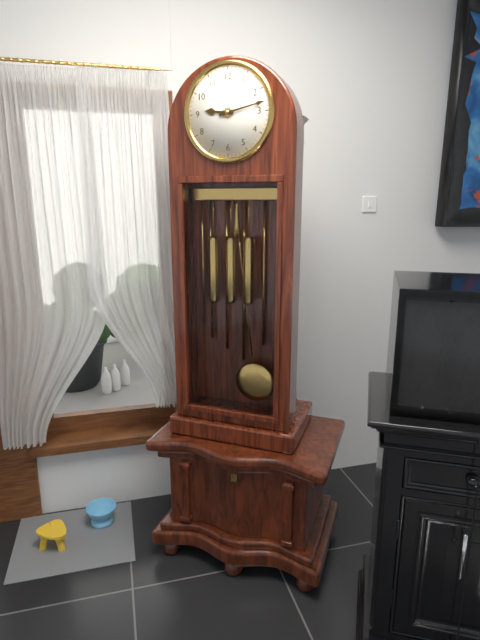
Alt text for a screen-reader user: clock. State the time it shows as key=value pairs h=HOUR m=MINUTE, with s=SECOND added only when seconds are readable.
h=9 m=13
